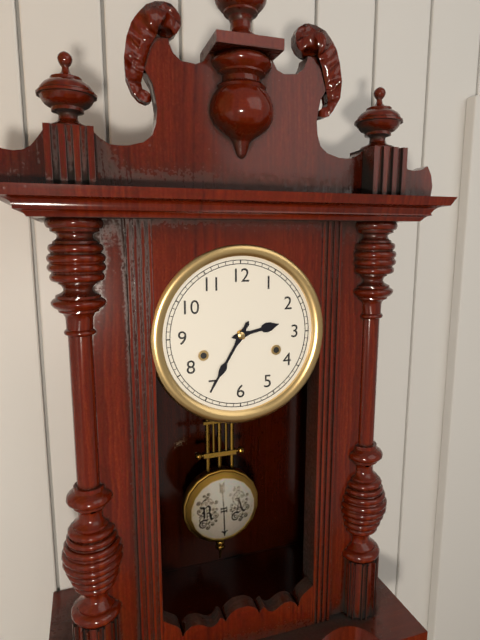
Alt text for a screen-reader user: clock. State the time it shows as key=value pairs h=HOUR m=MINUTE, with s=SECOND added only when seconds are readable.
h=2 m=35
